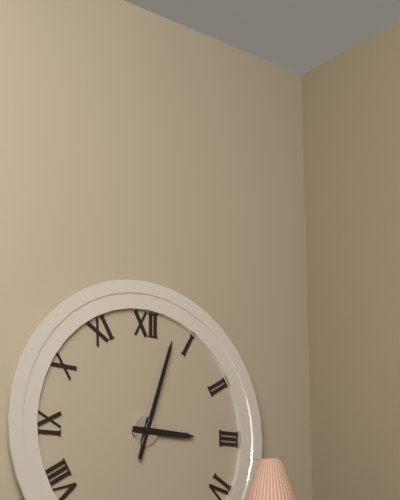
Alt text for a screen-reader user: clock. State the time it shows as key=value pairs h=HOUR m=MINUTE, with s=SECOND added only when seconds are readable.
h=3 m=3
